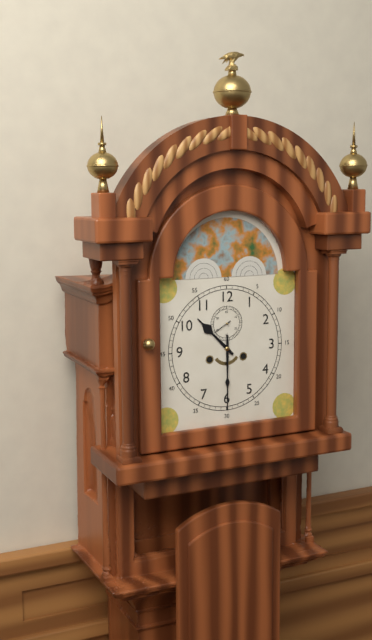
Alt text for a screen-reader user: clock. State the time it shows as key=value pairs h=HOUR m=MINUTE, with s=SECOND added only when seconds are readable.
h=10 m=30
